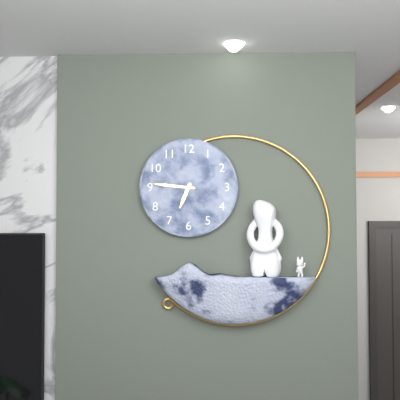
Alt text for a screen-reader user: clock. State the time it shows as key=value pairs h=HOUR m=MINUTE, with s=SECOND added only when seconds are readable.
h=6 m=46
